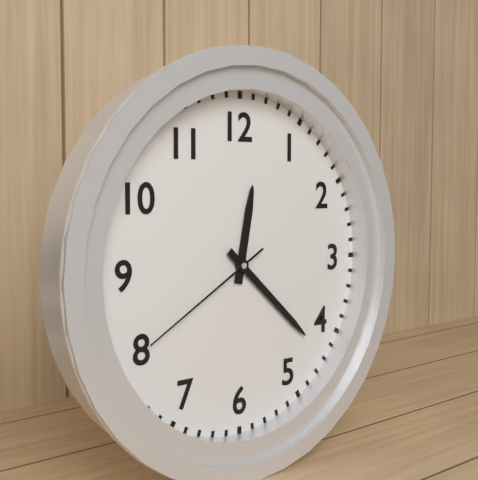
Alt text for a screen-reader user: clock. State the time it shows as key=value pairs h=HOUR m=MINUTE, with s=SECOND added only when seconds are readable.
h=12 m=22 s=40
